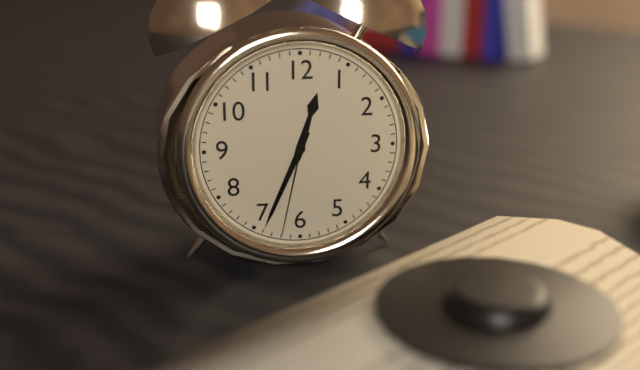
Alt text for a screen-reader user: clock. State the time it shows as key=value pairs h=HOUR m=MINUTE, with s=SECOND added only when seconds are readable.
h=12 m=34 s=32
